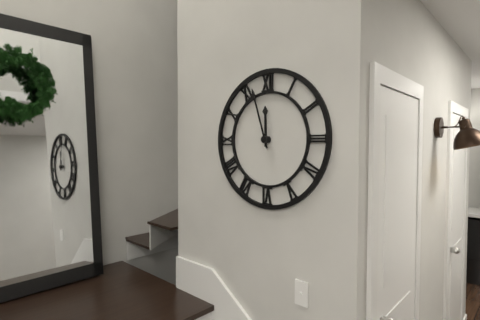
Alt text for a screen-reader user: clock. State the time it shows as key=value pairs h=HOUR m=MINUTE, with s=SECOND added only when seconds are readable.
h=11 m=57
